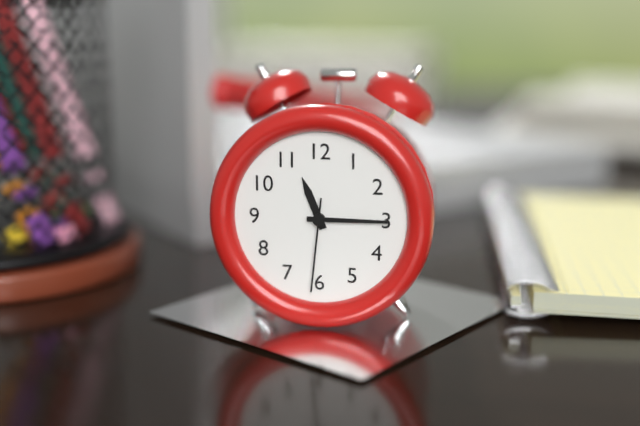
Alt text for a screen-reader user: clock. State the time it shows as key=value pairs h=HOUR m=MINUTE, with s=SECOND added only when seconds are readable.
h=11 m=15 s=31
